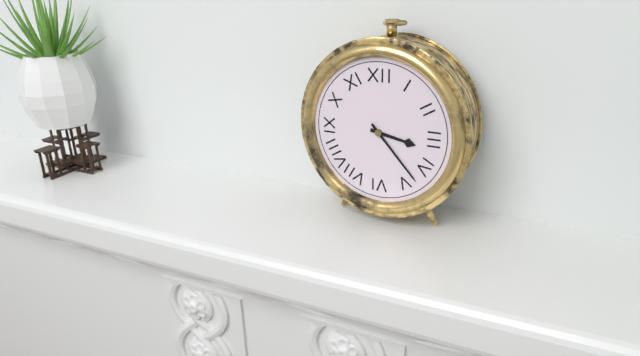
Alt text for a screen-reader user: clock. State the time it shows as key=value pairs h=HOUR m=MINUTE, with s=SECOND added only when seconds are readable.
h=3 m=23
